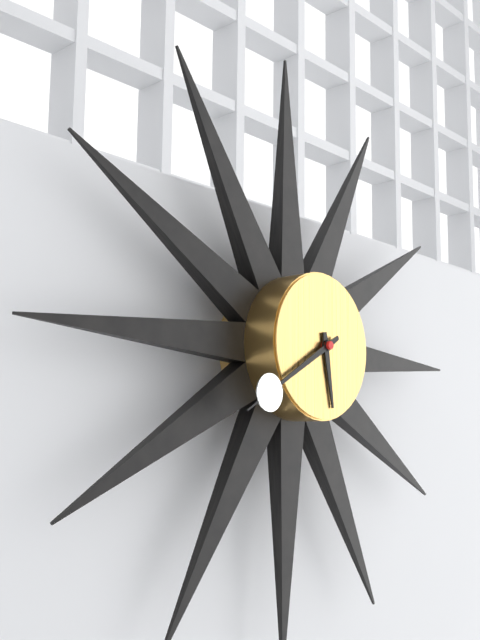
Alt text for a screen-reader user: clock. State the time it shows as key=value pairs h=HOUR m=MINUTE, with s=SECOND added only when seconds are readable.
h=5 m=40
